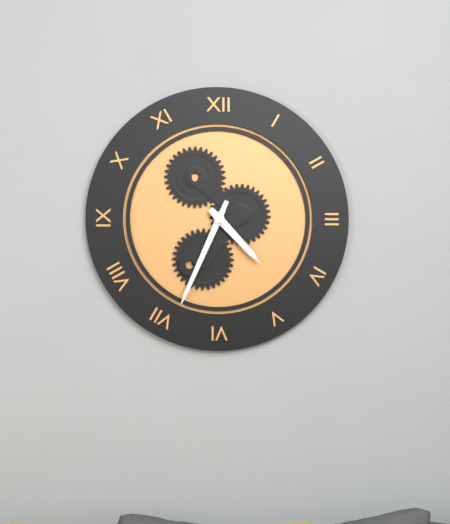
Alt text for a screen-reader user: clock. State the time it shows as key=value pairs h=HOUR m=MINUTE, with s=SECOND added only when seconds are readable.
h=4 m=34
